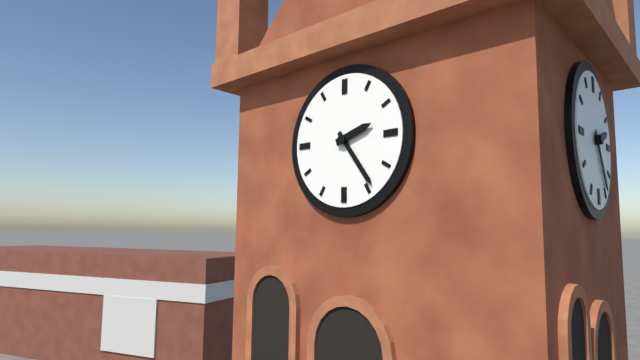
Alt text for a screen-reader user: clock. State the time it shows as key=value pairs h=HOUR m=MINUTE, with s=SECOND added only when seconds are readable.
h=2 m=24
